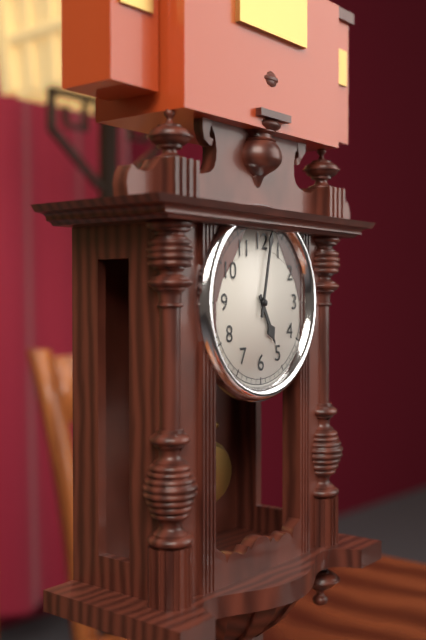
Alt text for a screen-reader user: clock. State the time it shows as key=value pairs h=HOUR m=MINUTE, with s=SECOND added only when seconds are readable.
h=5 m=2
